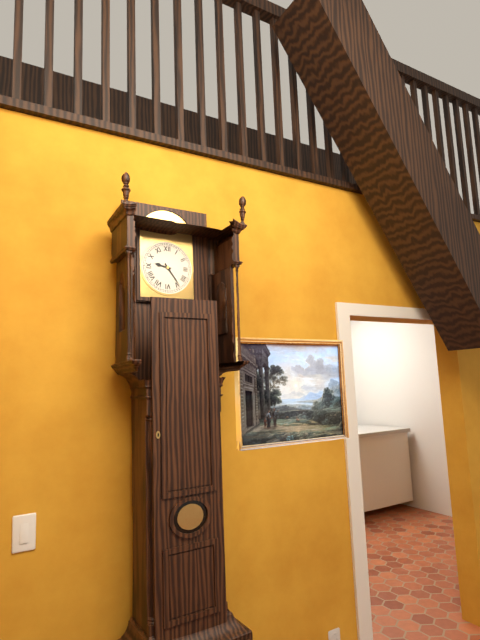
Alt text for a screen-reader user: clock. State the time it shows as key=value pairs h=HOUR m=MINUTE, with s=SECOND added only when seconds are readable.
h=9 m=24
